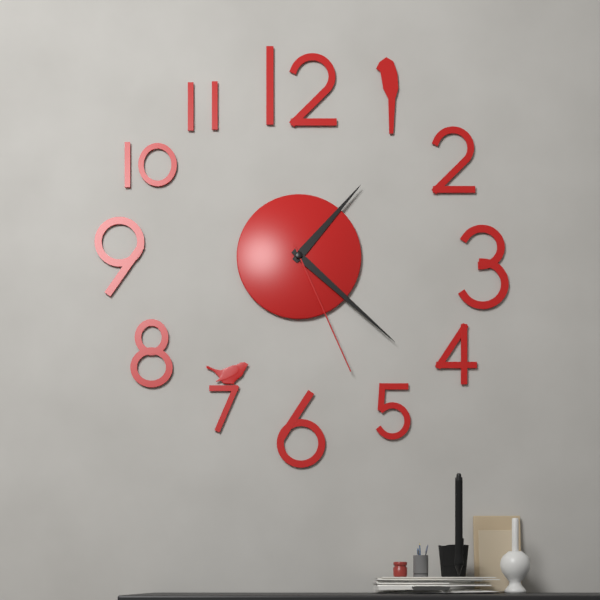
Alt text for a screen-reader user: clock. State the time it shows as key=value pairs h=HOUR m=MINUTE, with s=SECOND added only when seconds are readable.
h=1 m=22 s=26
